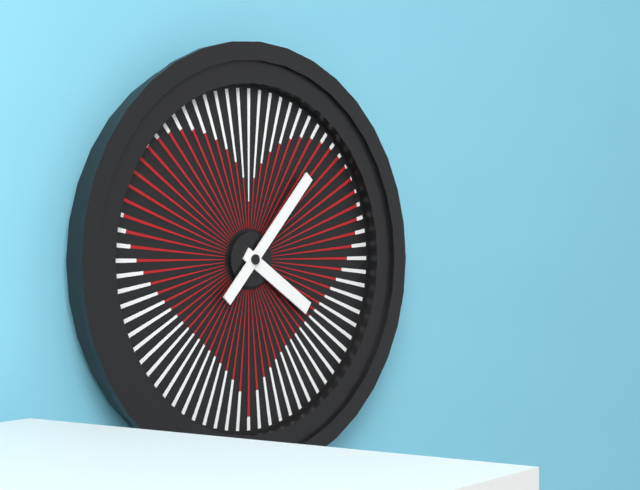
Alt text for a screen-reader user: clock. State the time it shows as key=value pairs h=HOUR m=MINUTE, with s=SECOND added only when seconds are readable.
h=4 m=7
